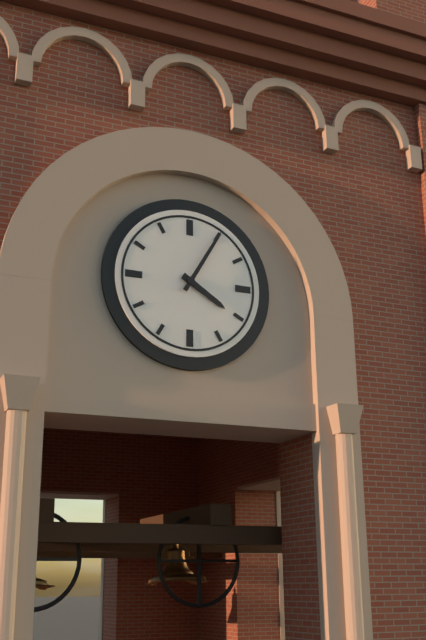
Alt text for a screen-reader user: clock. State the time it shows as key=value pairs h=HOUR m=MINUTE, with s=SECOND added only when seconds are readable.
h=4 m=5
